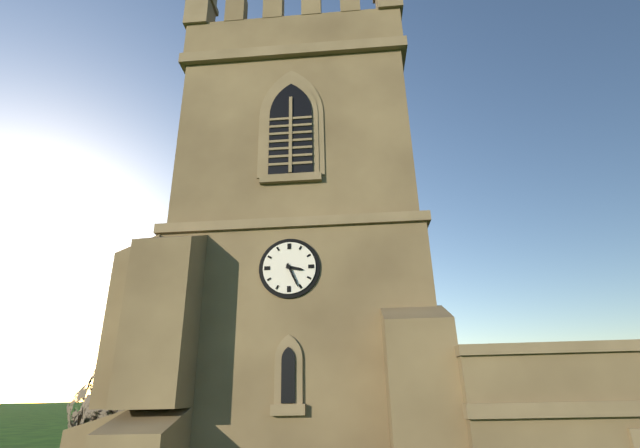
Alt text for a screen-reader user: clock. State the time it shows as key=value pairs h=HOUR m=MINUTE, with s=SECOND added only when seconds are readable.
h=3 m=26
